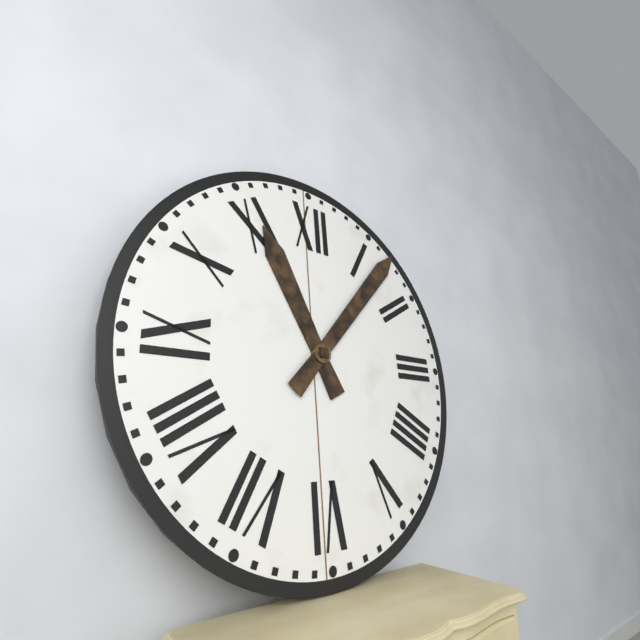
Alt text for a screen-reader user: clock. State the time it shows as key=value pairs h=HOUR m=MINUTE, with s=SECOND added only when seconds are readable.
h=11 m=7
